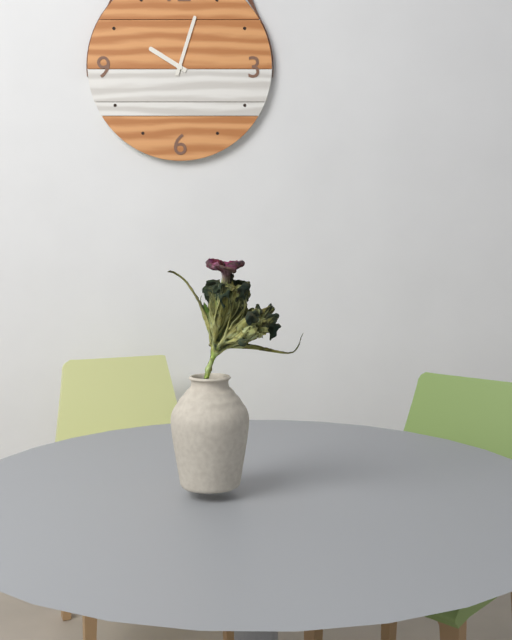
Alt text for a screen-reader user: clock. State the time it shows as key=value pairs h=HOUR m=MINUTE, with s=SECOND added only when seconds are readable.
h=10 m=3
